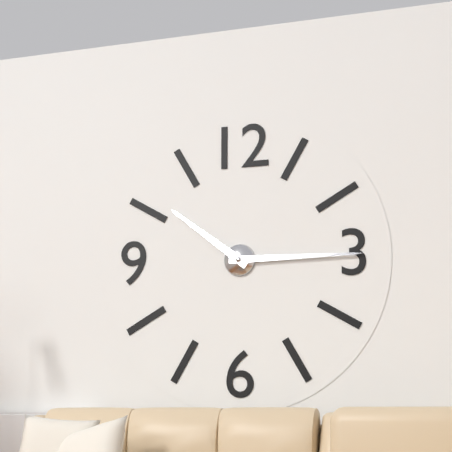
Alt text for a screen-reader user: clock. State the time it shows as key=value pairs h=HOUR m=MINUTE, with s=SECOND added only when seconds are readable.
h=10 m=15
